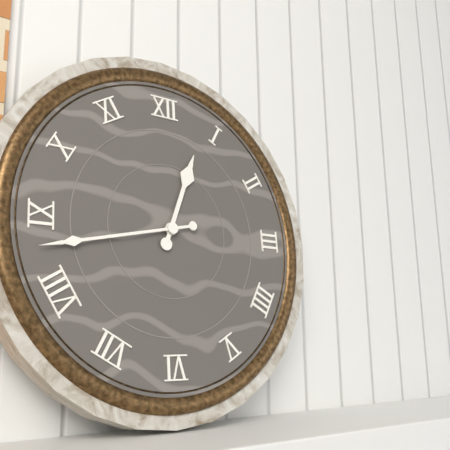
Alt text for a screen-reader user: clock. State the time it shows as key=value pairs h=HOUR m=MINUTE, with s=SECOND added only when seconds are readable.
h=12 m=43
